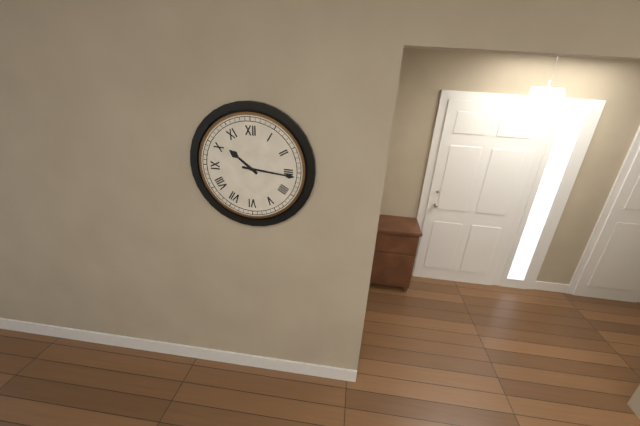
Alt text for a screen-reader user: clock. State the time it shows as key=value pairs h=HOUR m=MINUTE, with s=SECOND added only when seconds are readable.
h=10 m=16
